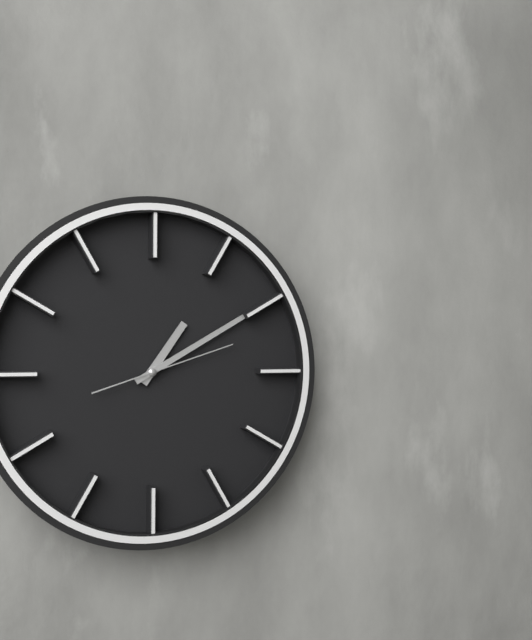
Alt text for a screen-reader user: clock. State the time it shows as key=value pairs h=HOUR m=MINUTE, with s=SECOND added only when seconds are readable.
h=1 m=10 s=12
